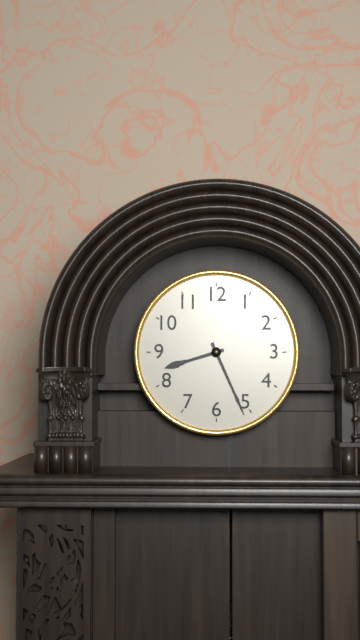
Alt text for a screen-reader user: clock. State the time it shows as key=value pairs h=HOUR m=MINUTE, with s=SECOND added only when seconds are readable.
h=8 m=26
